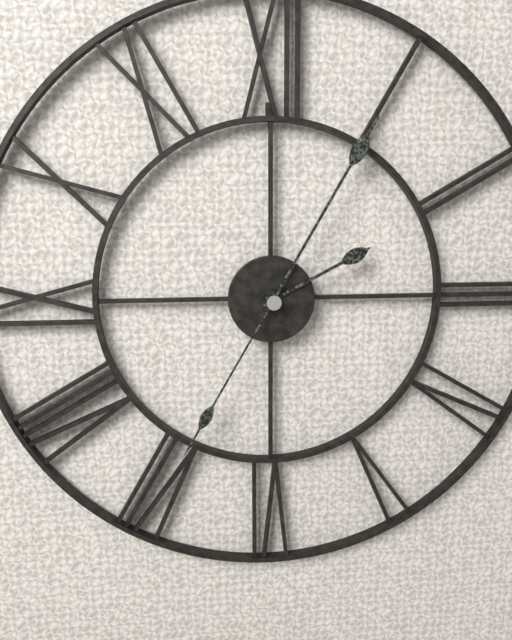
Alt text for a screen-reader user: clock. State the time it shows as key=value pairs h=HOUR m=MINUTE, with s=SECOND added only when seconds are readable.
h=2 m=5 s=35
